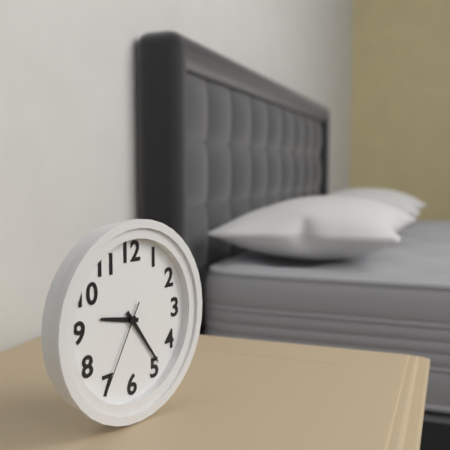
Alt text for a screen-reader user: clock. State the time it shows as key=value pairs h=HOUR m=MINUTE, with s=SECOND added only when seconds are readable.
h=9 m=24 s=35
